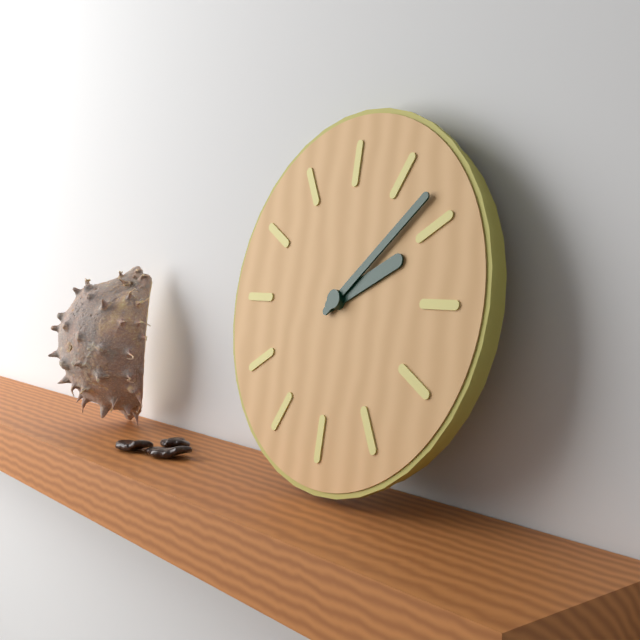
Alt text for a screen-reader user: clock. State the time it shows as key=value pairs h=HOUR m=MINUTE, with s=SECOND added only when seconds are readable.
h=2 m=8
